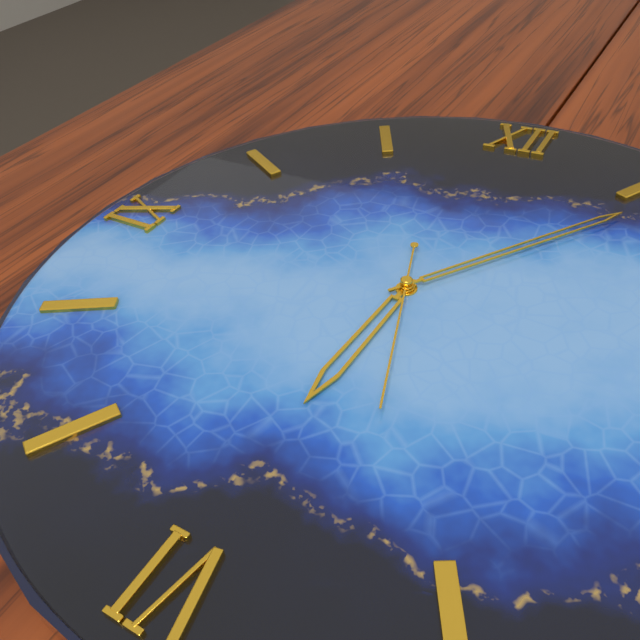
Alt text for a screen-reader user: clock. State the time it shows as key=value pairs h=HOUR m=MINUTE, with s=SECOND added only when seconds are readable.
h=6 m=6 s=27
